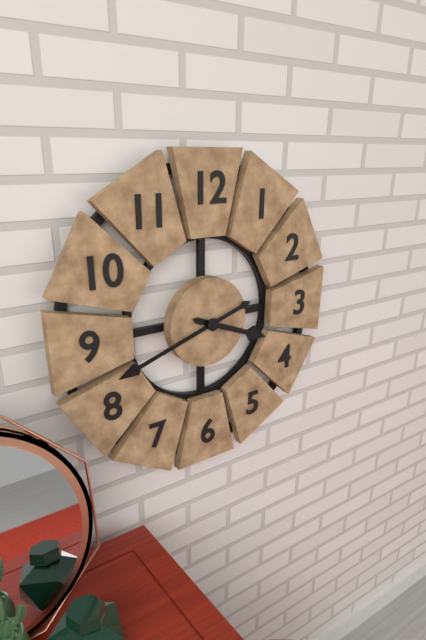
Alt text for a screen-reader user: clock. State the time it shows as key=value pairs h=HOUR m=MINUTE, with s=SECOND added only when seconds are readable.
h=3 m=42
